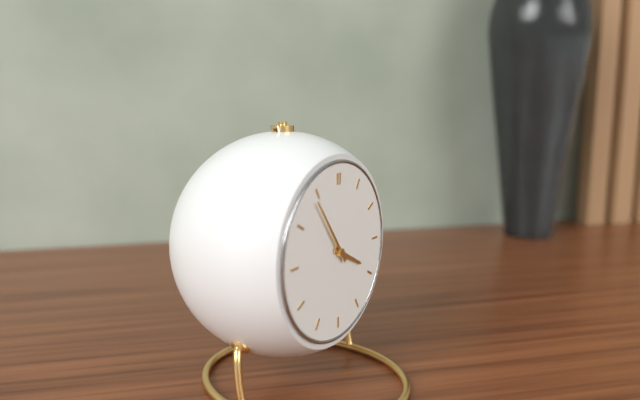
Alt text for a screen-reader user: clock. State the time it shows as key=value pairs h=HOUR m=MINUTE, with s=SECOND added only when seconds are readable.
h=3 m=54
